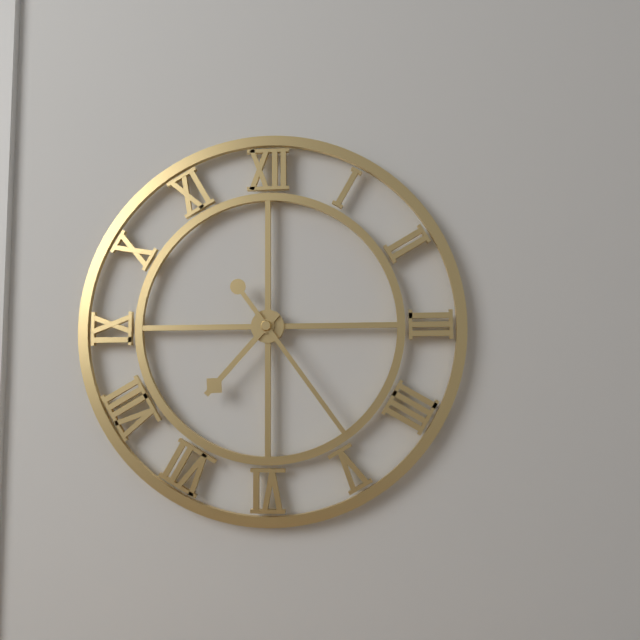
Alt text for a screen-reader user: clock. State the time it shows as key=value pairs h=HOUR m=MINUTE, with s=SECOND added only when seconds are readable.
h=7 m=24
